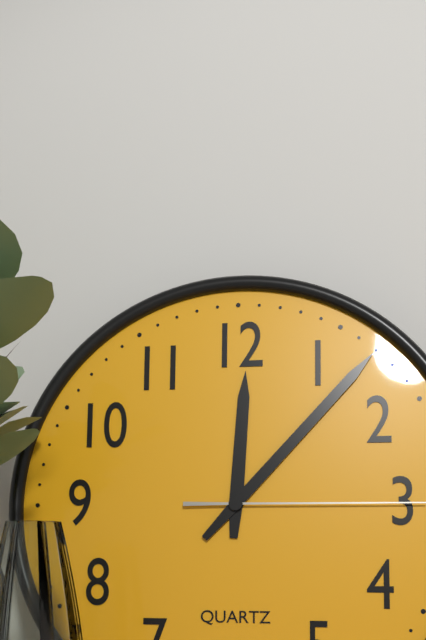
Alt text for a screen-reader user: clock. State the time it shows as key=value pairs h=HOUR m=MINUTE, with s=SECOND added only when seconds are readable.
h=12 m=7
